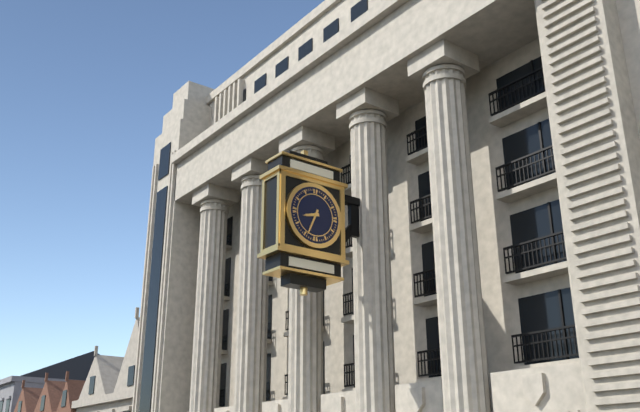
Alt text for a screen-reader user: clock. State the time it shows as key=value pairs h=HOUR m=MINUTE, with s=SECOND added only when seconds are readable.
h=8 m=34
